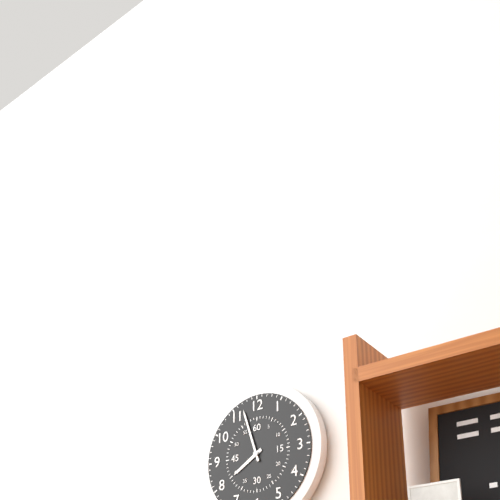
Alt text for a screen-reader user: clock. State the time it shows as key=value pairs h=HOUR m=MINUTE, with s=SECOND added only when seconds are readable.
h=7 m=57
